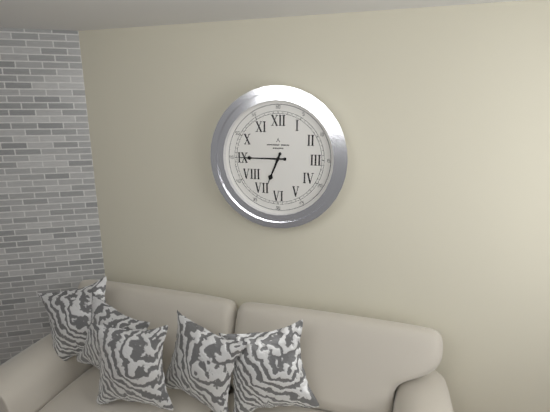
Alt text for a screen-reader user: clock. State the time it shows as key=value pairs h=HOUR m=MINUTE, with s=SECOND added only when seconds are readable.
h=6 m=45
